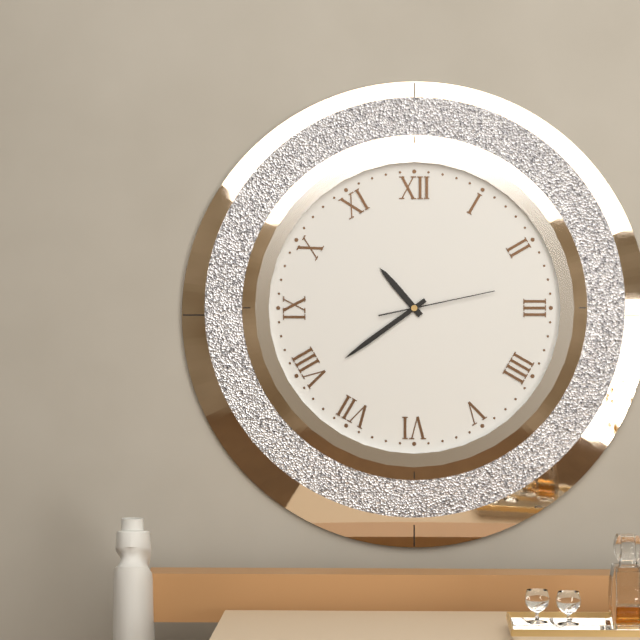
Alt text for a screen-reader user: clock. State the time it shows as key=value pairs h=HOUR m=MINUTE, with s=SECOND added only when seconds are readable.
h=10 m=39 s=13
